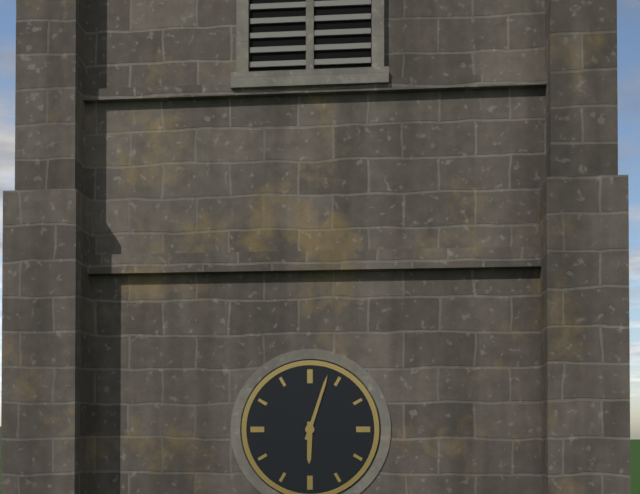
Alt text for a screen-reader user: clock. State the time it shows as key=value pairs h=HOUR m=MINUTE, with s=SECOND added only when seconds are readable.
h=6 m=3
